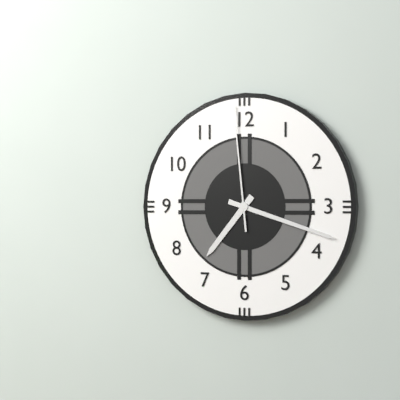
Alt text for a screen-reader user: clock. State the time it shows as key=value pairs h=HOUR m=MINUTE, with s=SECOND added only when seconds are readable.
h=7 m=18 s=59
